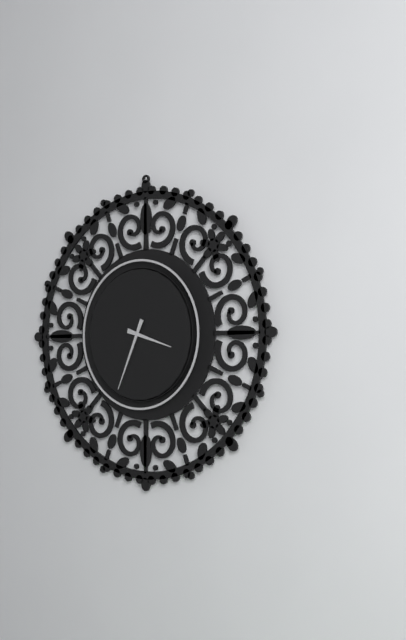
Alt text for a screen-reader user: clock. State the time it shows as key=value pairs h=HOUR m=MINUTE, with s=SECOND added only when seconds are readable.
h=3 m=34
